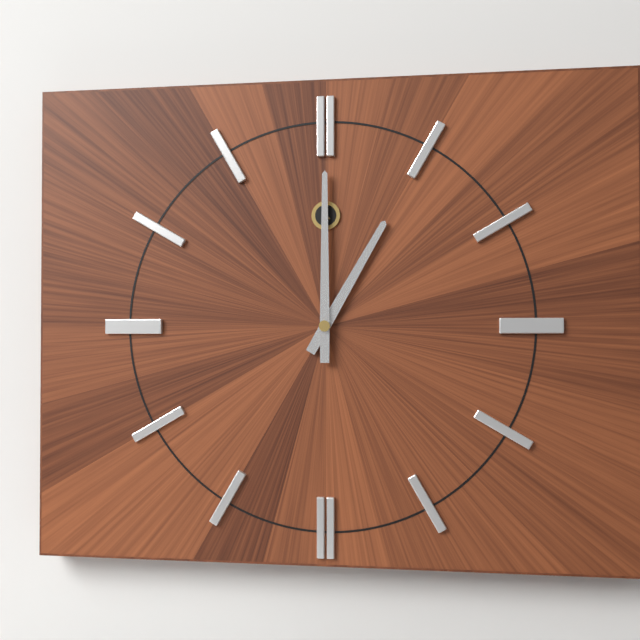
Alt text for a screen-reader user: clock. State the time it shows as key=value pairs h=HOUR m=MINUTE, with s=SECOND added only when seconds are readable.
h=1 m=0
